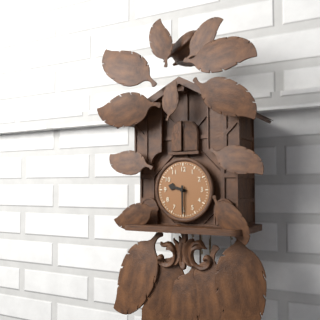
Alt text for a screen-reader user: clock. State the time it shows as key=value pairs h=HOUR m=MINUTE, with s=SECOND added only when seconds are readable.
h=9 m=30
